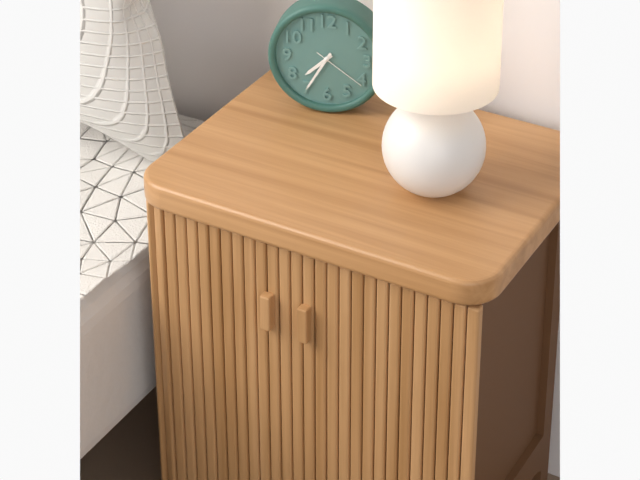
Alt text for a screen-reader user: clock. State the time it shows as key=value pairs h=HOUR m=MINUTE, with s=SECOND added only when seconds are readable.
h=7 m=35 s=21
